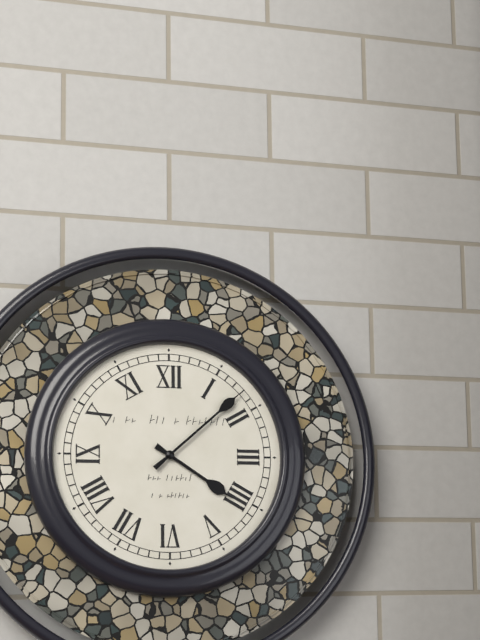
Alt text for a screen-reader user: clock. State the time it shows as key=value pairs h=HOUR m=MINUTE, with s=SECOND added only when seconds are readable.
h=4 m=8
